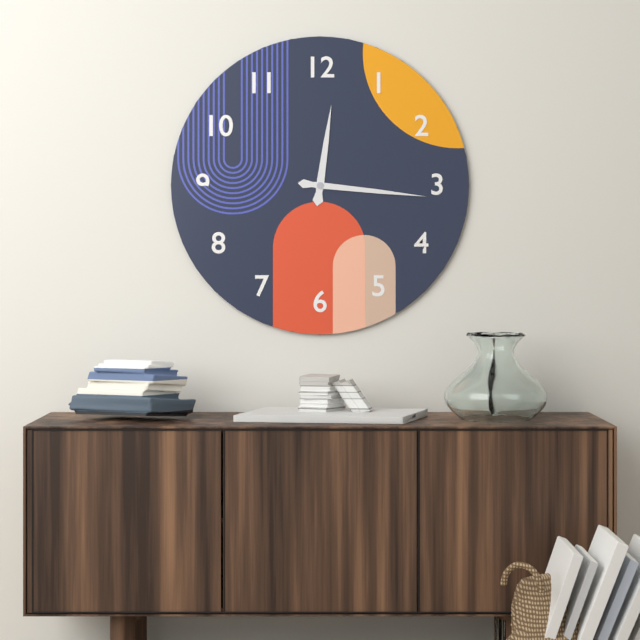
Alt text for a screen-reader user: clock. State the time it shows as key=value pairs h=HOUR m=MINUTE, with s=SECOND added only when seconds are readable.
h=12 m=16
